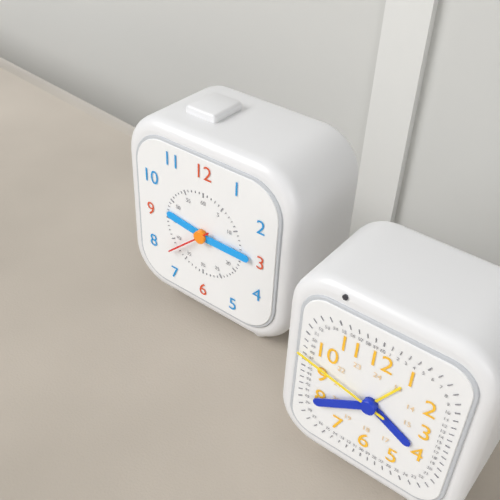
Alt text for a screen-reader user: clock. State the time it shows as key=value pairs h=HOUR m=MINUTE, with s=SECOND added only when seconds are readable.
h=9 m=15
